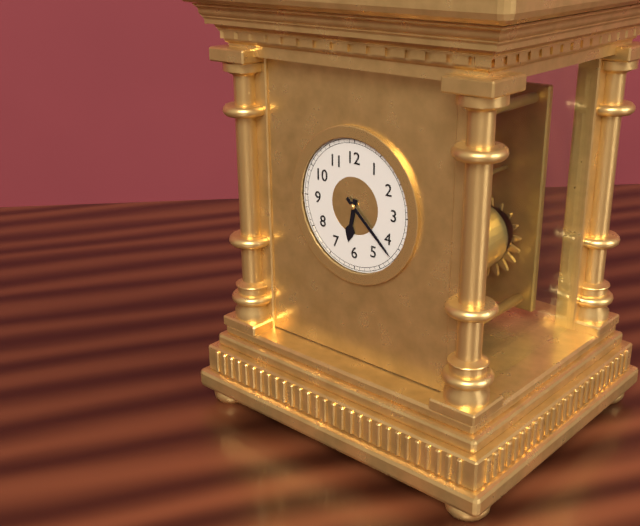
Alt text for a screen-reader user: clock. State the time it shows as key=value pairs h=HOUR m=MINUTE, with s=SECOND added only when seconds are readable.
h=6 m=22
